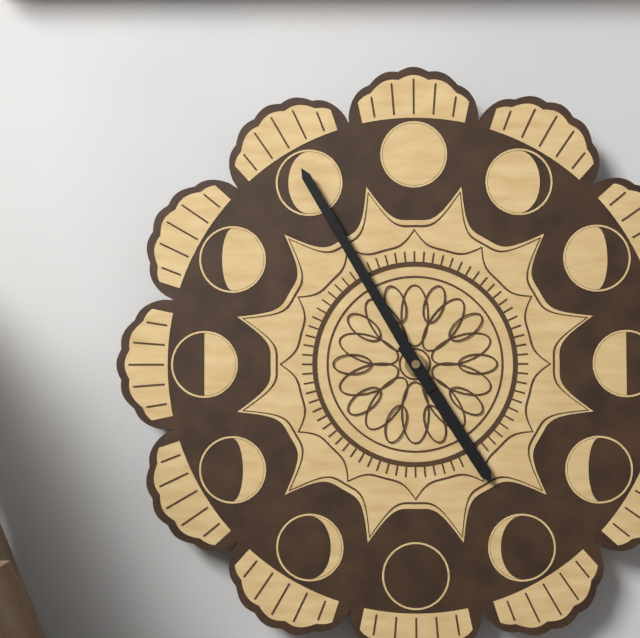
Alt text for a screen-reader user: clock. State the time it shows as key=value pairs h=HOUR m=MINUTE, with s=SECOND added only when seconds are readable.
h=4 m=55
